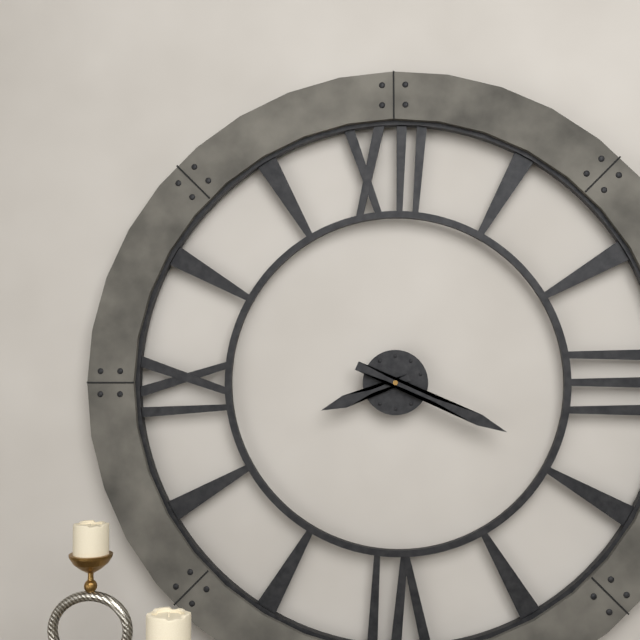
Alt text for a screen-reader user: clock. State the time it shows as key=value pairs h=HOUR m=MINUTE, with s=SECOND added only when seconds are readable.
h=8 m=19
